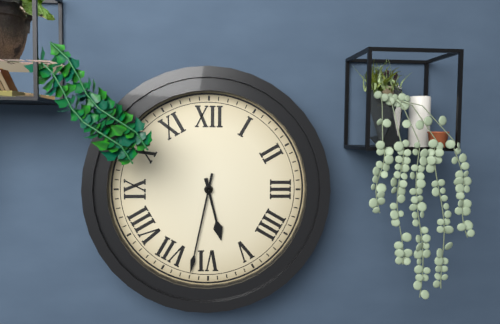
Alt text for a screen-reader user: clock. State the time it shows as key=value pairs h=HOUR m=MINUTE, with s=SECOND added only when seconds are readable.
h=5 m=32
